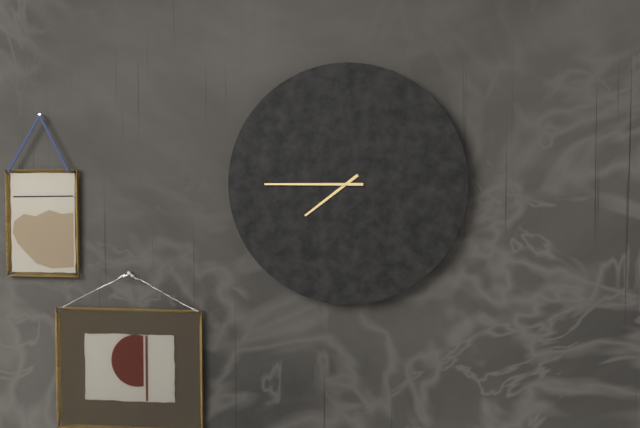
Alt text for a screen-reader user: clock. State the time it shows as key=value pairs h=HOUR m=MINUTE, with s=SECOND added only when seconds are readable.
h=7 m=45
